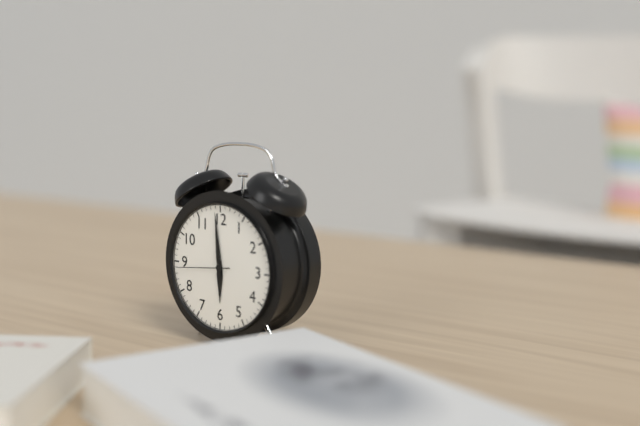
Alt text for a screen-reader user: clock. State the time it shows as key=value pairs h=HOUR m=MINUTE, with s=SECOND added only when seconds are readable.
h=5 m=59 s=44
